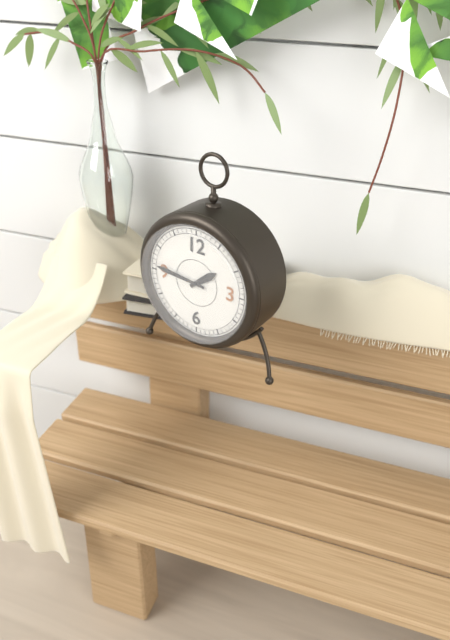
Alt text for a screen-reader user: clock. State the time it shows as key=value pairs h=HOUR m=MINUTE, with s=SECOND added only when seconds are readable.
h=1 m=46
